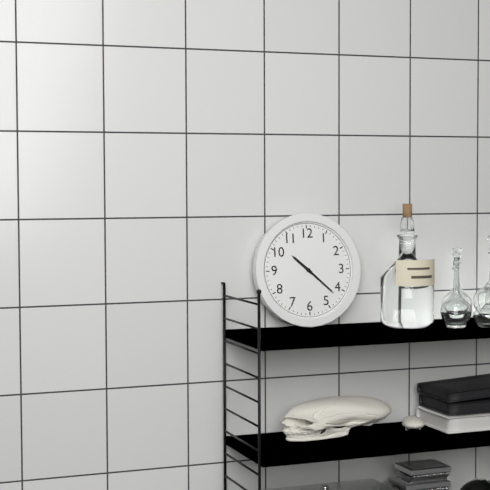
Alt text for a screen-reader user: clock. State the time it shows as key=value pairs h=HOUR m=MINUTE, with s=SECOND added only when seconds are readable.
h=10 m=22
